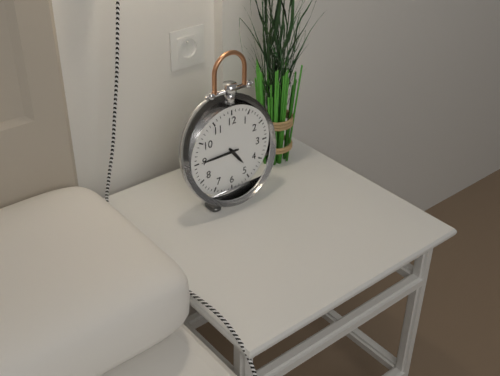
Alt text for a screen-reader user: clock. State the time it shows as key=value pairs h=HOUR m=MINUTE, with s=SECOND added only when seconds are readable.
h=4 m=45
